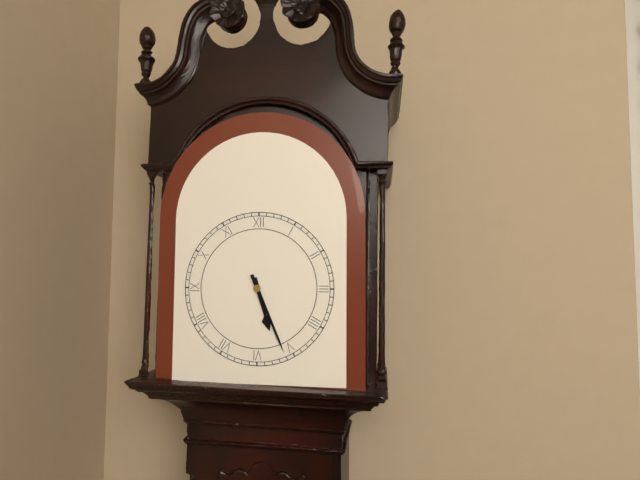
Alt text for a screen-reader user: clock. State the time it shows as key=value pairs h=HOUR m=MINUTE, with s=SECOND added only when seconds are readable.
h=5 m=26
